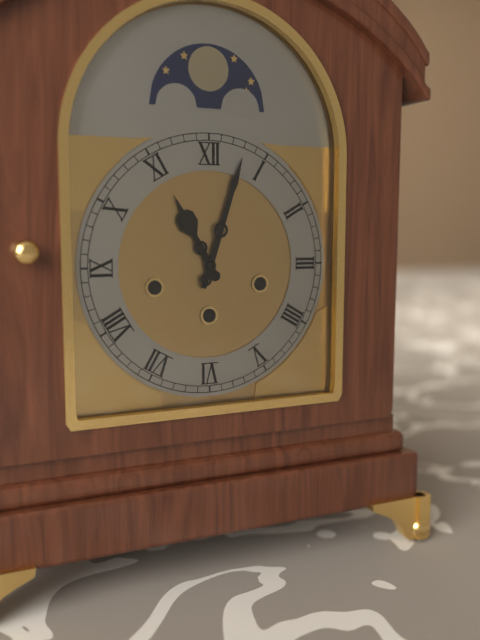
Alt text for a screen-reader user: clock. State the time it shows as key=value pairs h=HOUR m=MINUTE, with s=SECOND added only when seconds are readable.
h=11 m=3
